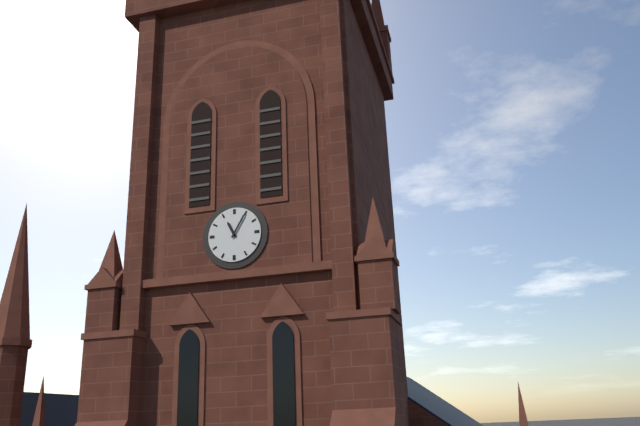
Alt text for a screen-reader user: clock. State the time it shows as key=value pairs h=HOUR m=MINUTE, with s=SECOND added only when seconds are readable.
h=11 m=5
